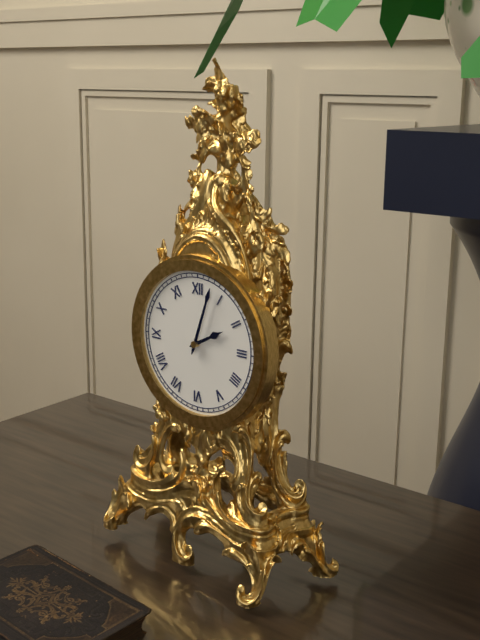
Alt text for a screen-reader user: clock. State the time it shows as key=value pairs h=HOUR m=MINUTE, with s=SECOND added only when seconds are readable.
h=2 m=3
